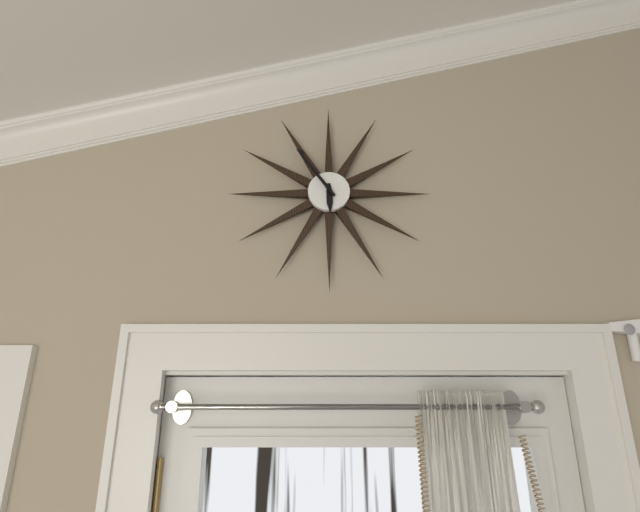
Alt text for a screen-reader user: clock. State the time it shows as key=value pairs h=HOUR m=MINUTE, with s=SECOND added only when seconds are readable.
h=5 m=54
